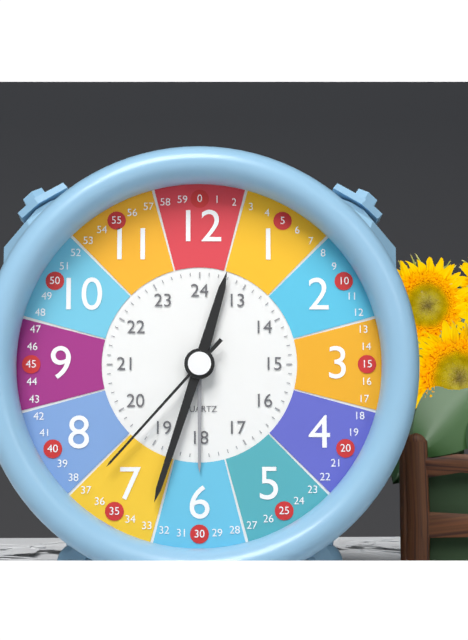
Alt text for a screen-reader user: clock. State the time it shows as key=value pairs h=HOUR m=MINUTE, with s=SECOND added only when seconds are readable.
h=12 m=33 s=37
